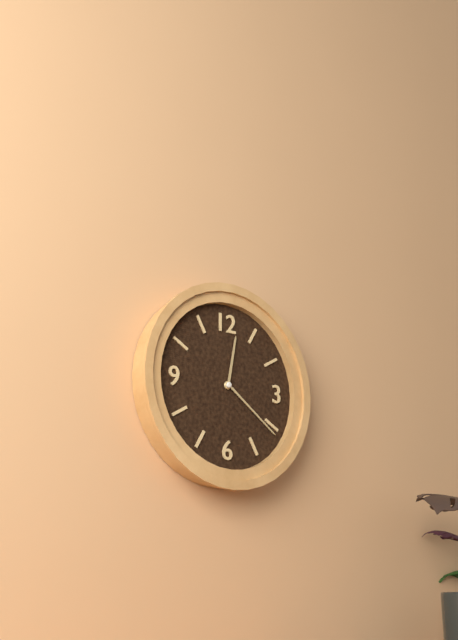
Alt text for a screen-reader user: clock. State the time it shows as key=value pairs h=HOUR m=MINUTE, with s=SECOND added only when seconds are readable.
h=12 m=21
